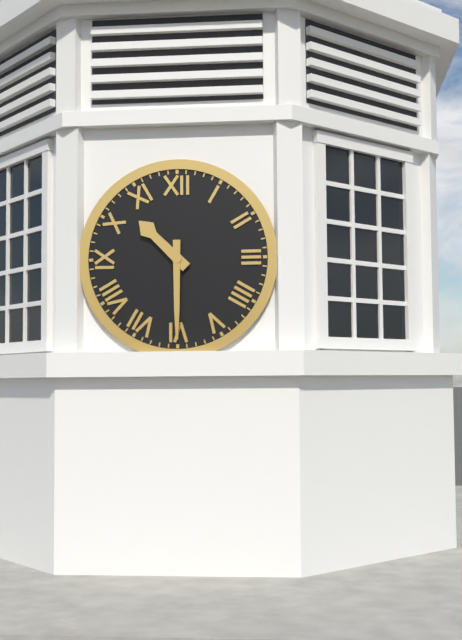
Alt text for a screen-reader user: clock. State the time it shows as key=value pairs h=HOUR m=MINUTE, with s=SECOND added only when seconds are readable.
h=10 m=30
